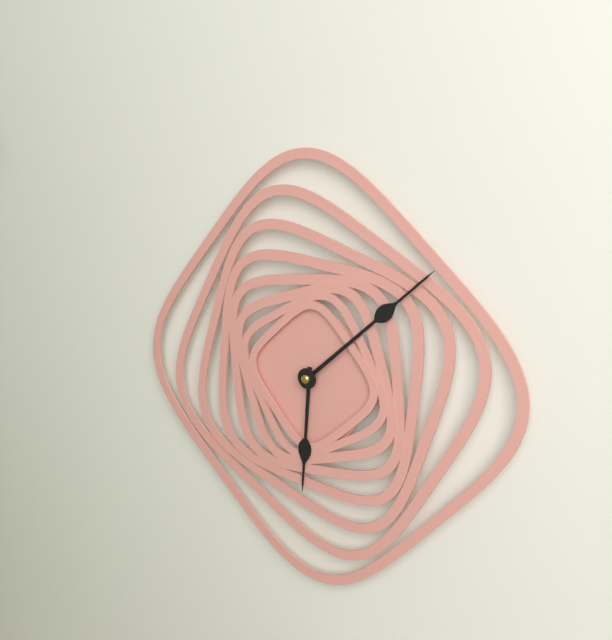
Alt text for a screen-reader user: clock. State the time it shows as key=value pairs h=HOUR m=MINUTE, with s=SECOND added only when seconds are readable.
h=6 m=8
